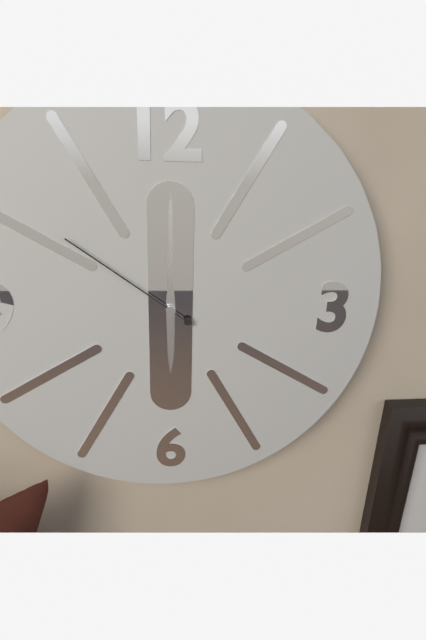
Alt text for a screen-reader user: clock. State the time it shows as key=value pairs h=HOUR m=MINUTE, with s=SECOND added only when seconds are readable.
h=6 m=0 s=51
